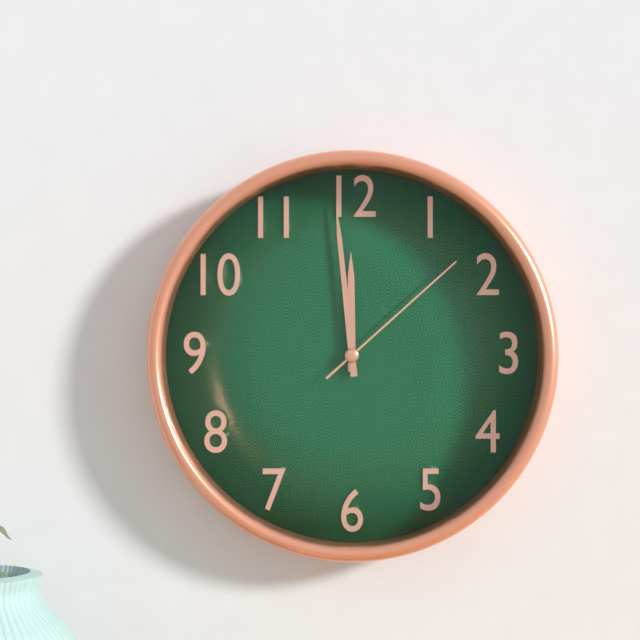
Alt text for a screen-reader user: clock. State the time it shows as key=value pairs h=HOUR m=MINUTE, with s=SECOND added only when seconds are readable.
h=11 m=59 s=8
